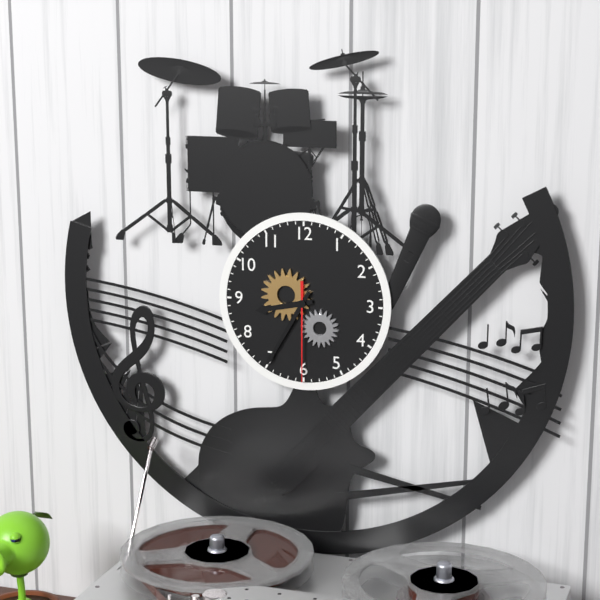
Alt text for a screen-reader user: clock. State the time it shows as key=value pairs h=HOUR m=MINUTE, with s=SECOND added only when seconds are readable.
h=8 m=35 s=30
